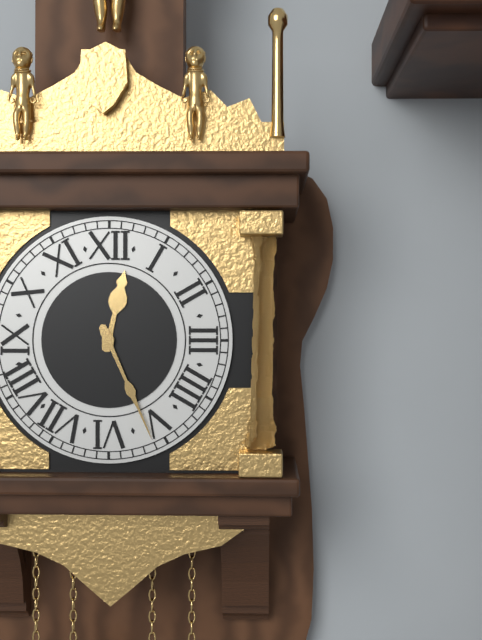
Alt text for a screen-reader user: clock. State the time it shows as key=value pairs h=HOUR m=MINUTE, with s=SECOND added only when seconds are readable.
h=12 m=26
